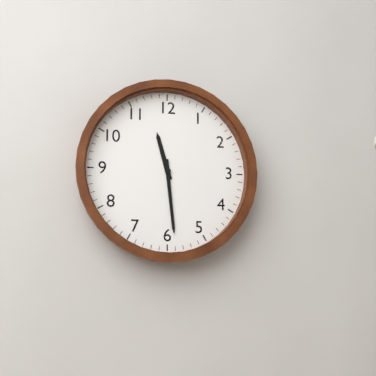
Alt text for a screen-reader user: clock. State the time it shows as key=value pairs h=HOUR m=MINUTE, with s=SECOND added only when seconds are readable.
h=11 m=29
